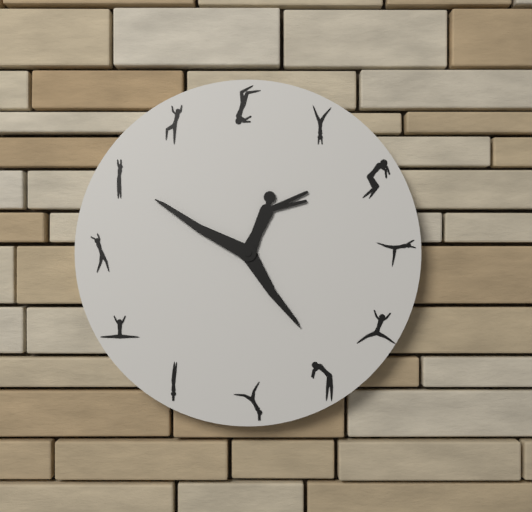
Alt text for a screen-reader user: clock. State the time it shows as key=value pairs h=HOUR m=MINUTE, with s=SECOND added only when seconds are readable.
h=4 m=50
